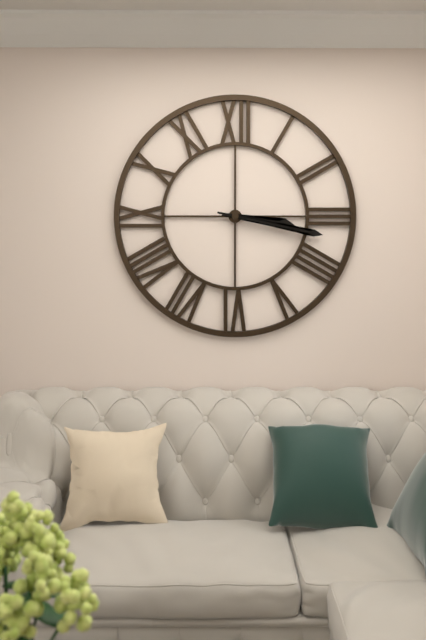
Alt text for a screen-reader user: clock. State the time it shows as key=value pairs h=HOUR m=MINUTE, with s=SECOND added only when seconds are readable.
h=3 m=17
